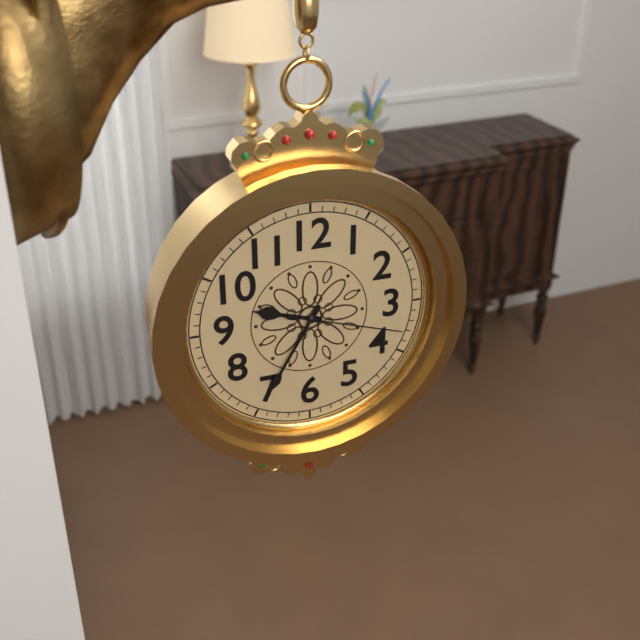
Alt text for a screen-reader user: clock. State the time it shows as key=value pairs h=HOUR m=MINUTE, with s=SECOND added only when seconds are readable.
h=9 m=35 s=18
